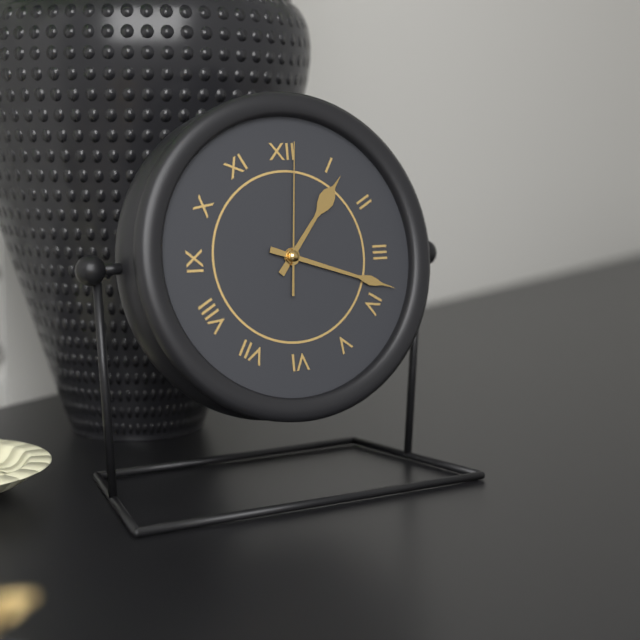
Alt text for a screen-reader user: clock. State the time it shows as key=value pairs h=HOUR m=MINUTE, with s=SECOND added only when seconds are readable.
h=1 m=18 s=1
